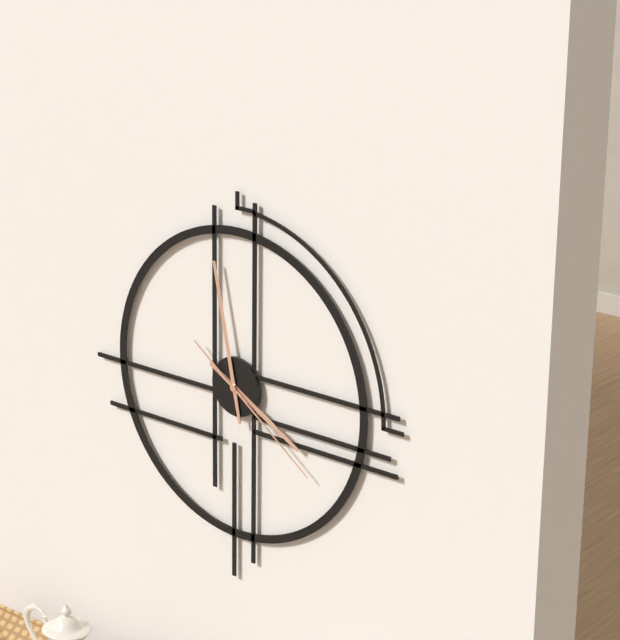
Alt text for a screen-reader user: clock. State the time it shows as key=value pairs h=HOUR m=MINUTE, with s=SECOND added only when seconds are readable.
h=3 m=58 s=21
